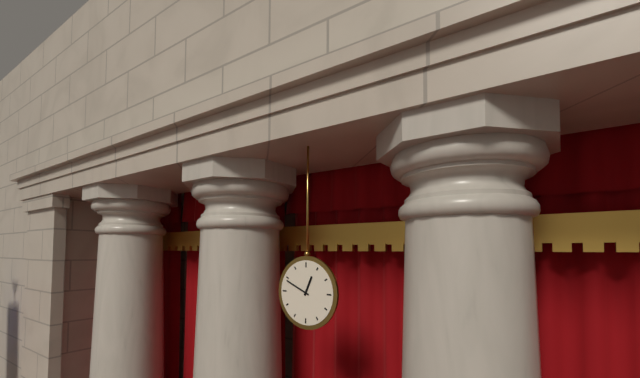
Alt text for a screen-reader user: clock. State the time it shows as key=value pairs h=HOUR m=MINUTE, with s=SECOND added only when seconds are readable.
h=12 m=49
